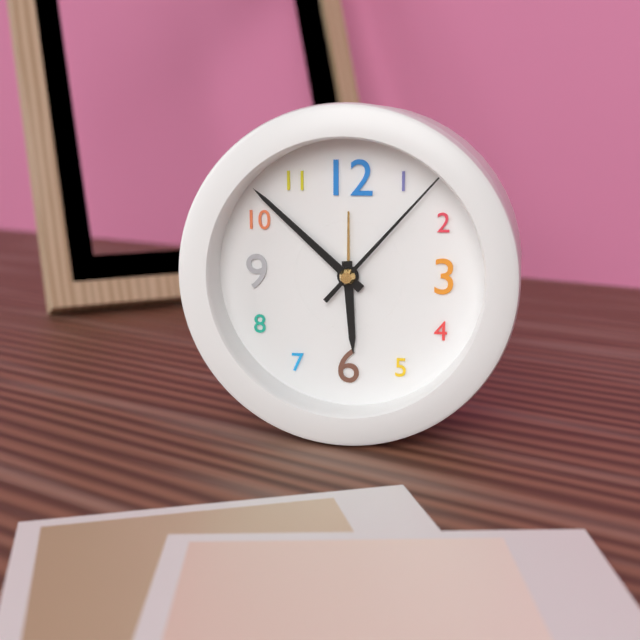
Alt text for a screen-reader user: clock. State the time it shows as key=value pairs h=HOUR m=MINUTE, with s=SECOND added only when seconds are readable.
h=5 m=52 s=7
